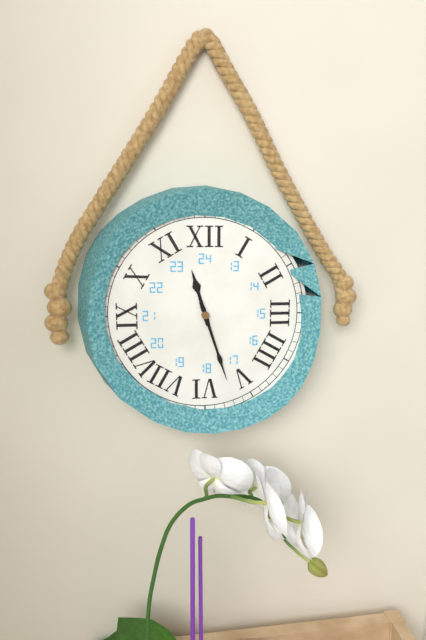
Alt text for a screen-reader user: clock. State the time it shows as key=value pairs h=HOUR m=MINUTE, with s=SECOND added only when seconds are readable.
h=11 m=27
